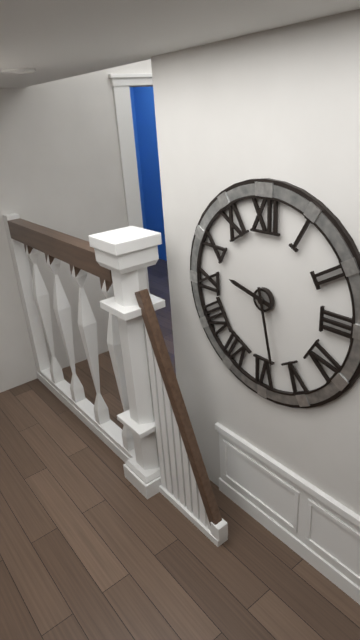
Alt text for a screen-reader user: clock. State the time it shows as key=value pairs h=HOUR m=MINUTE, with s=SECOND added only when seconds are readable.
h=9 m=28
